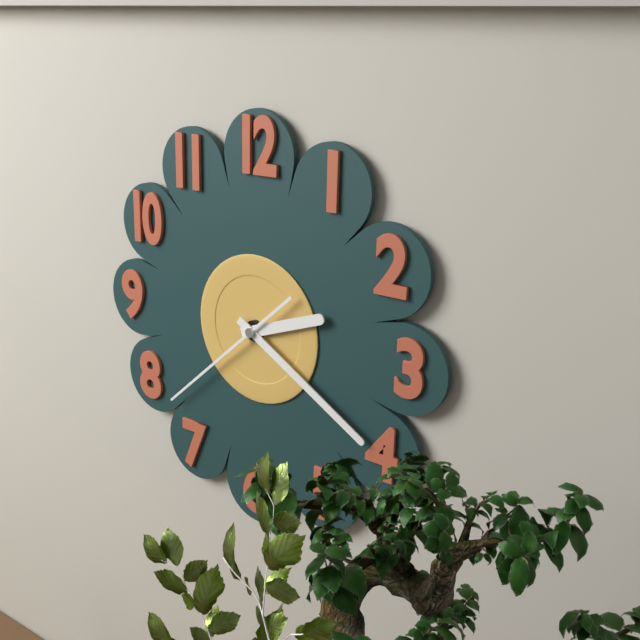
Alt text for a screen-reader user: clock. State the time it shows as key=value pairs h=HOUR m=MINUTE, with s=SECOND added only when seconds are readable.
h=2 m=20 s=38
